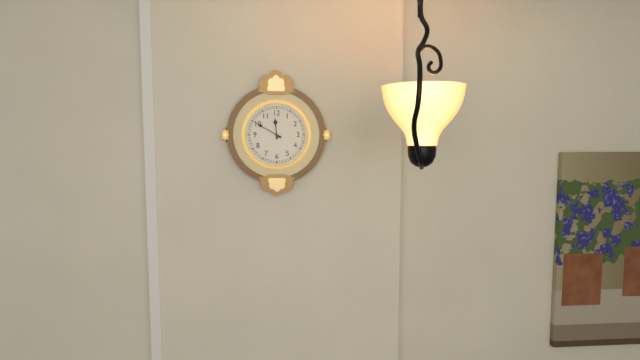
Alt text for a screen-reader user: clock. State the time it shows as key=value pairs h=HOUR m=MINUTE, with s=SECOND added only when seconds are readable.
h=11 m=50
